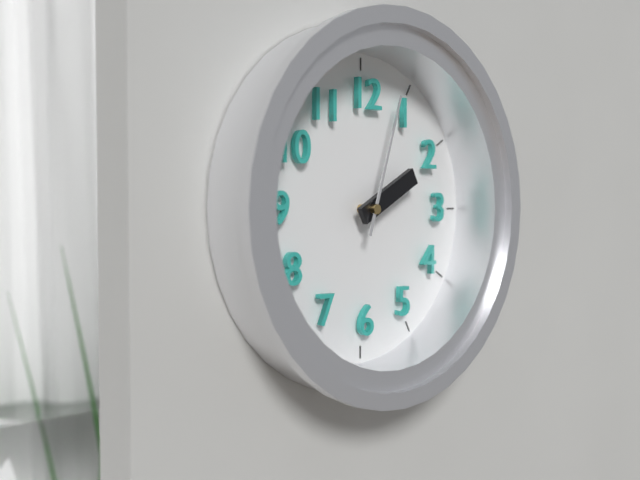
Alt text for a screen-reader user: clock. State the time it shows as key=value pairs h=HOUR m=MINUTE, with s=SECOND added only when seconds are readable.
h=2 m=3
